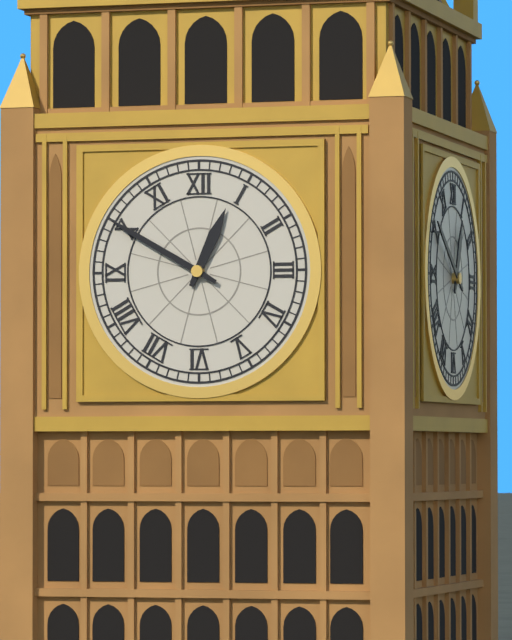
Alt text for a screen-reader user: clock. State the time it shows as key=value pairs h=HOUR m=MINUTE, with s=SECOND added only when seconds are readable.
h=12 m=50
